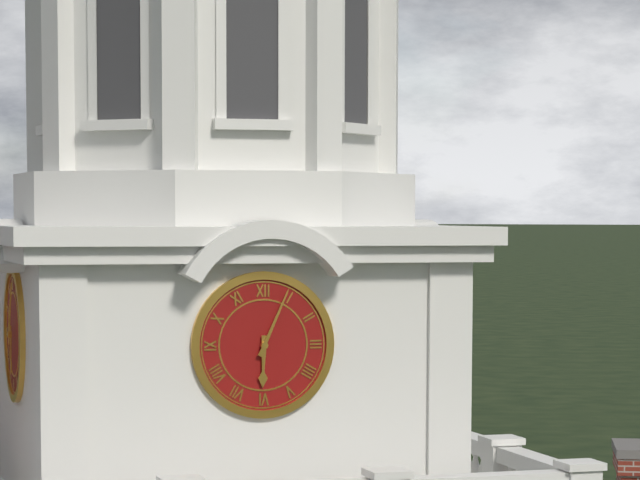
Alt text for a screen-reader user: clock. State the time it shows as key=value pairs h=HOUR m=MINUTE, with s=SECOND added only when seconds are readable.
h=6 m=4
